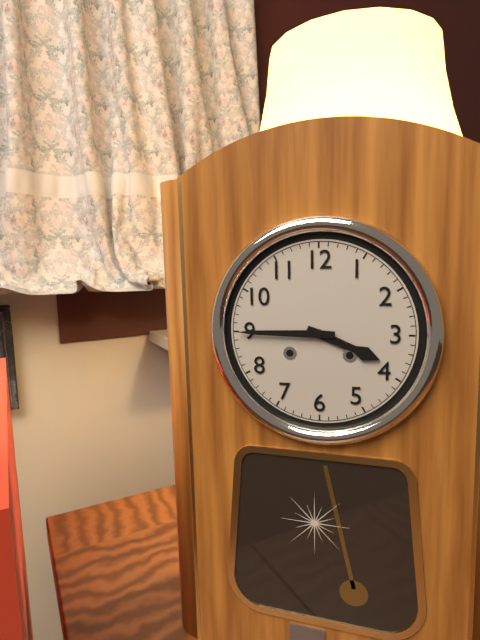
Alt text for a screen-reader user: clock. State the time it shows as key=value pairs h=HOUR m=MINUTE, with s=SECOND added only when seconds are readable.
h=3 m=45
